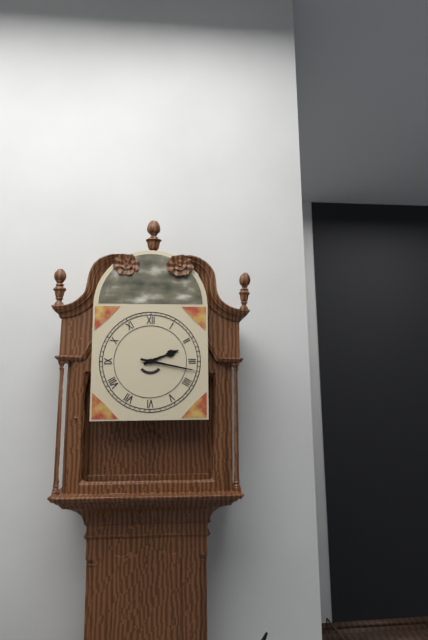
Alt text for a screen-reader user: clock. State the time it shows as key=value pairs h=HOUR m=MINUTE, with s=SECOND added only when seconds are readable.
h=2 m=17
